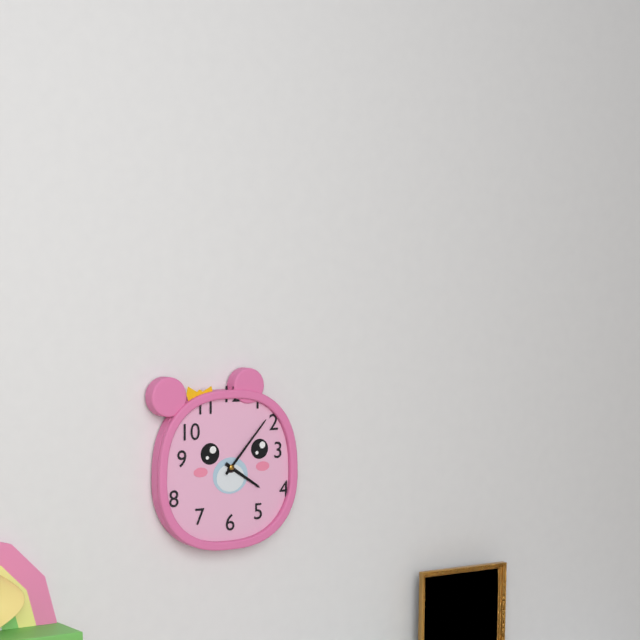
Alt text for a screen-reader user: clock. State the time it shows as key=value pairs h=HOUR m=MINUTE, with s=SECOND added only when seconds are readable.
h=4 m=7
